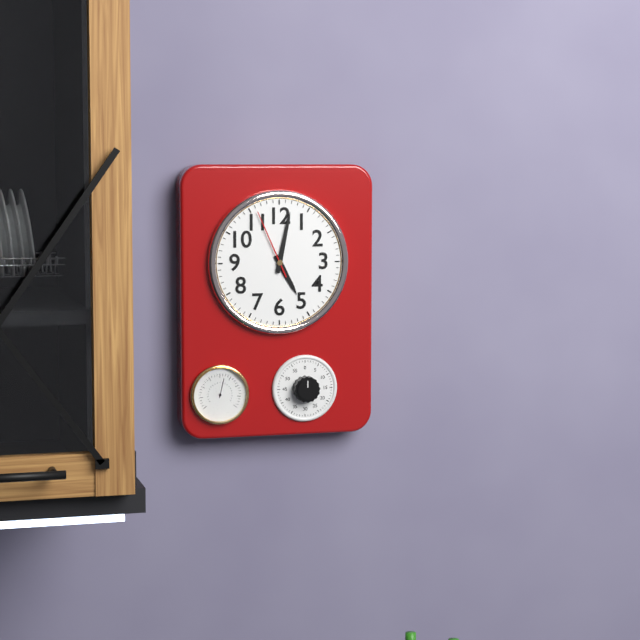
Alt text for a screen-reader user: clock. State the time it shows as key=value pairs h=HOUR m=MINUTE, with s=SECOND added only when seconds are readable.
h=5 m=2 s=56
